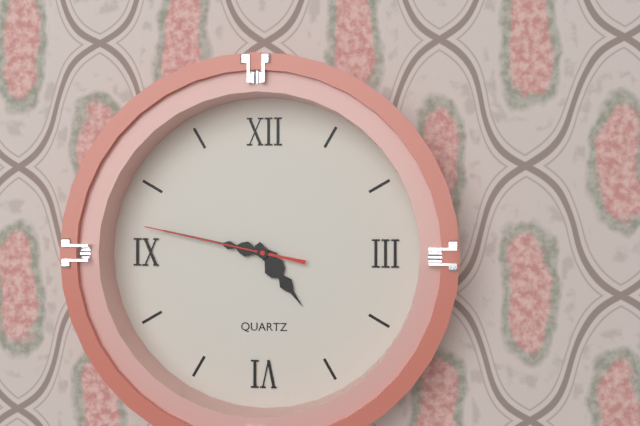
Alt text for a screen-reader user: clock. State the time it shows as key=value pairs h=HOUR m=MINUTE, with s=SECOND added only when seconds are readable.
h=4 m=47 s=47
